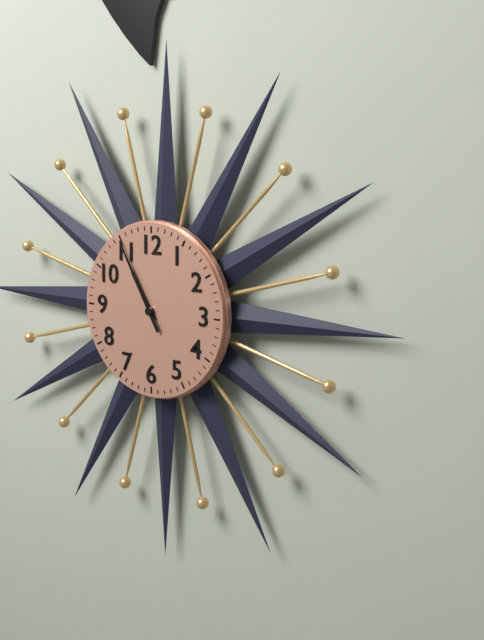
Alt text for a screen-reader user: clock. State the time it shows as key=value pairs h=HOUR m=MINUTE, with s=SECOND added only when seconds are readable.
h=10 m=55
